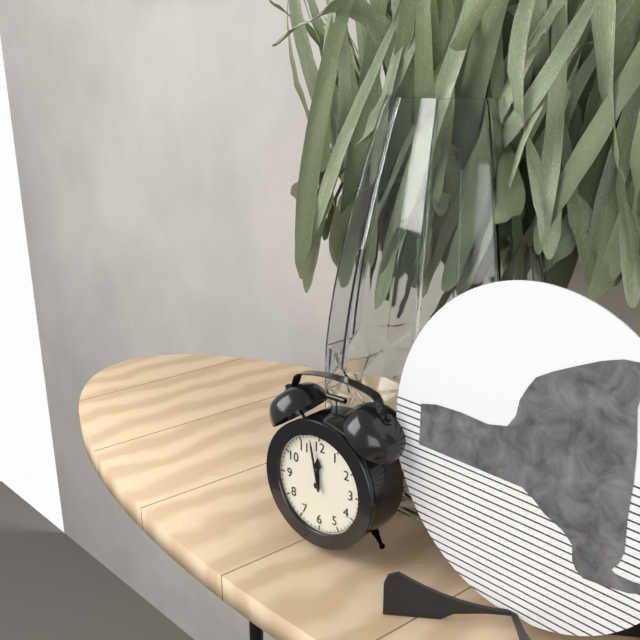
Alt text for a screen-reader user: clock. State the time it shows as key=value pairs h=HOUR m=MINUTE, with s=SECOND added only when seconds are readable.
h=11 m=58
